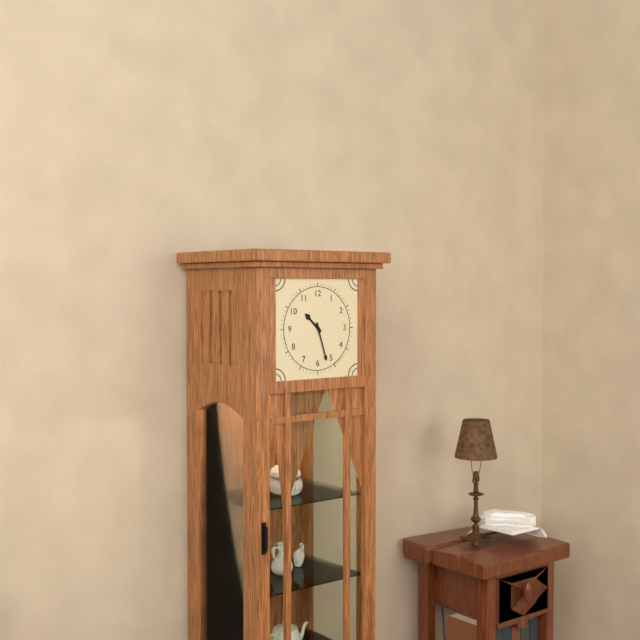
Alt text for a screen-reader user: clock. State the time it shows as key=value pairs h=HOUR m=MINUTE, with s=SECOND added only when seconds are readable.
h=10 m=27
